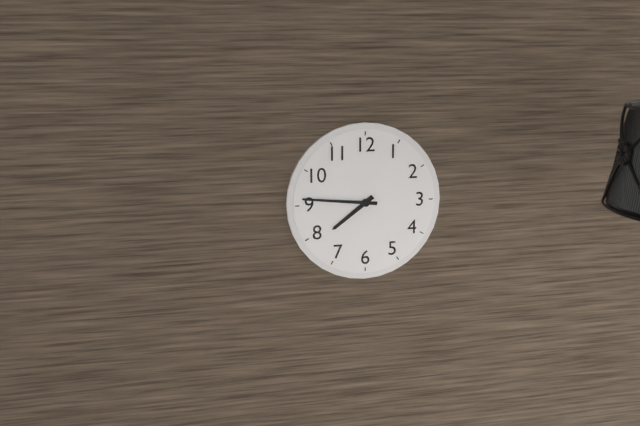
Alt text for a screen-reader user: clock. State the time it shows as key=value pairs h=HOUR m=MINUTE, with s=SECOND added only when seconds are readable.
h=7 m=46
